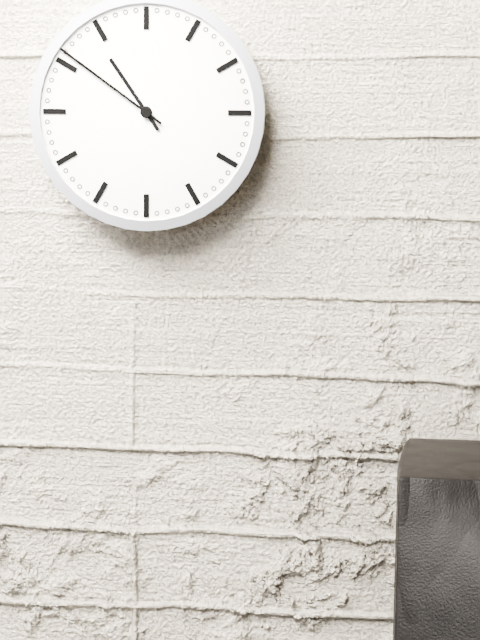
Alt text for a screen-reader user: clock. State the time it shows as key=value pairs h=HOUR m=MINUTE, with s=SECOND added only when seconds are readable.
h=10 m=51
